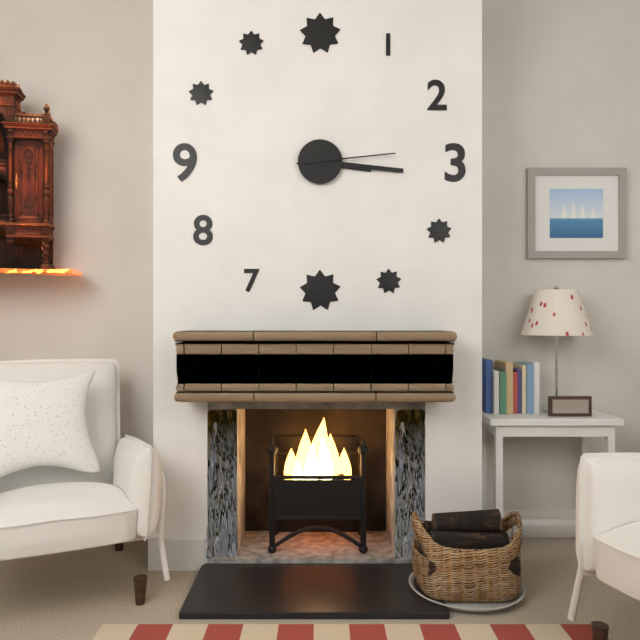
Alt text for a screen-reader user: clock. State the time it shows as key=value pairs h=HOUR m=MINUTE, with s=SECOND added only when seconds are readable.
h=3 m=16 s=14
